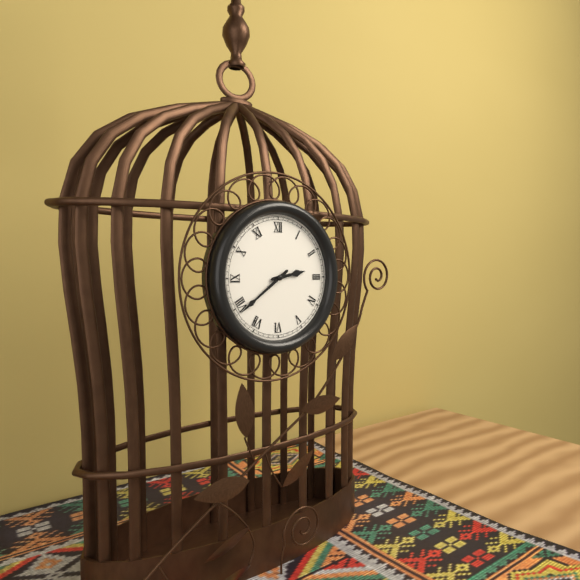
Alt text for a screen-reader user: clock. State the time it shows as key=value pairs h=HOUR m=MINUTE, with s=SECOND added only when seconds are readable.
h=2 m=39
